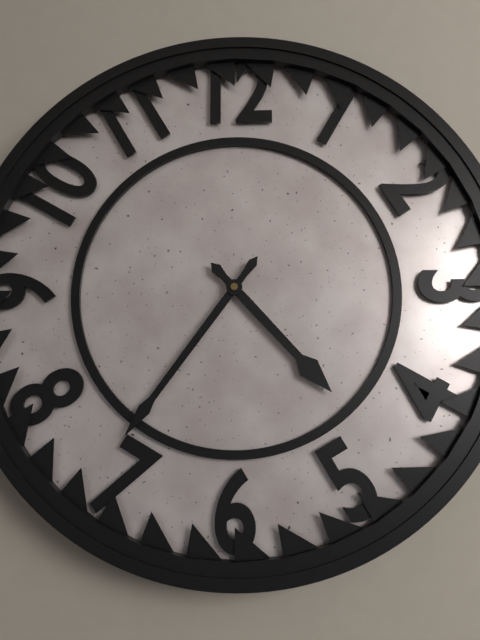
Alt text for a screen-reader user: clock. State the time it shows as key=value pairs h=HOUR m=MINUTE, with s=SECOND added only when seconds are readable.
h=4 m=36
